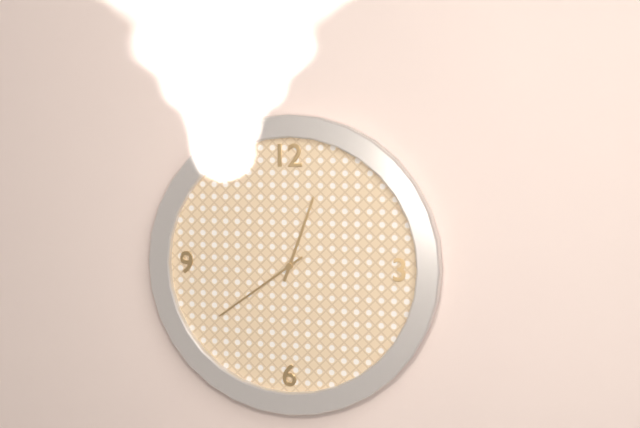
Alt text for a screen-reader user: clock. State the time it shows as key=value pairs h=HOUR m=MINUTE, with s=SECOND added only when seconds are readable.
h=12 m=39
